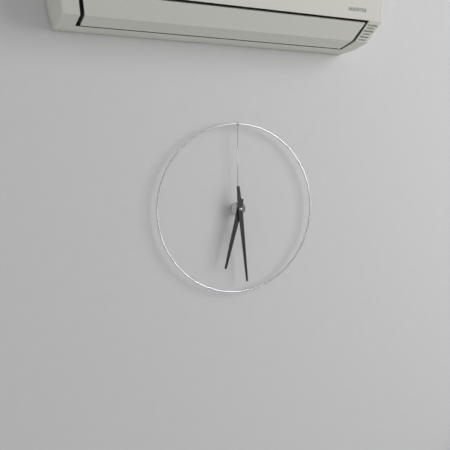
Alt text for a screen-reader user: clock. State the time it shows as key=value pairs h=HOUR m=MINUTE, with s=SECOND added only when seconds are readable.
h=6 m=29
